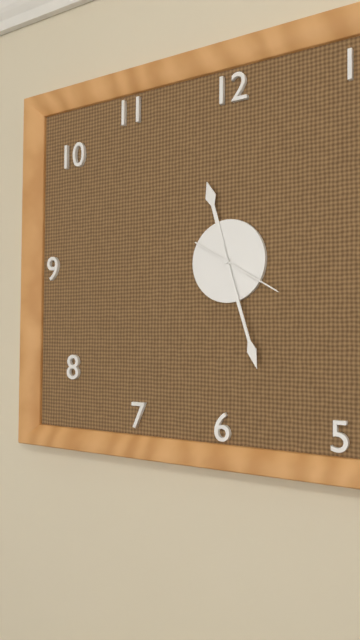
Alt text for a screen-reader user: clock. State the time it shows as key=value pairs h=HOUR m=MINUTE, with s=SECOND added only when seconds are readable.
h=11 m=27 s=20
